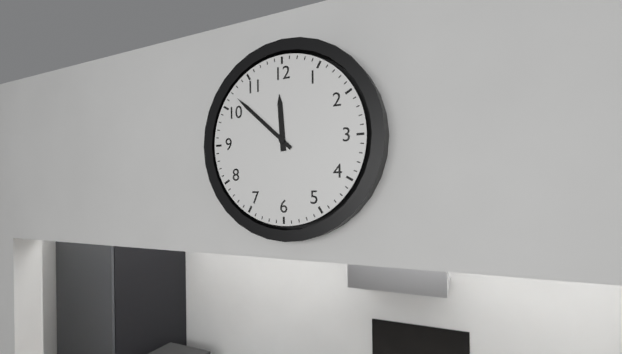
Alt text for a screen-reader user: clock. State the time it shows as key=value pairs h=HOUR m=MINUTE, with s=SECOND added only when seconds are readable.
h=11 m=52
